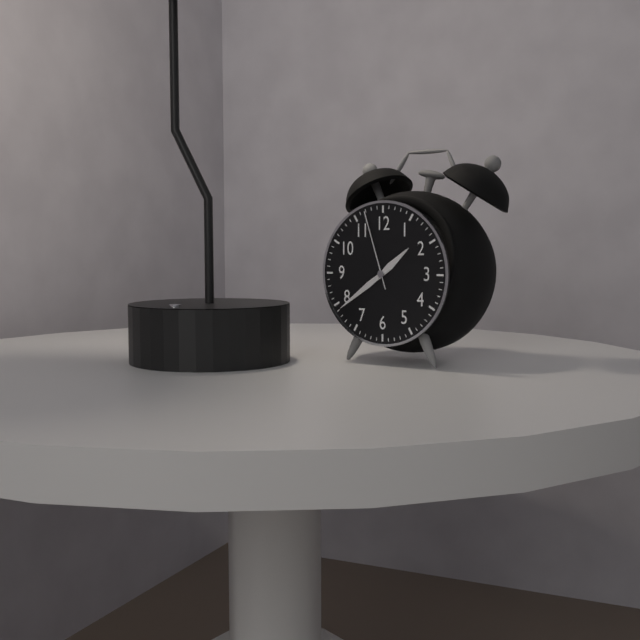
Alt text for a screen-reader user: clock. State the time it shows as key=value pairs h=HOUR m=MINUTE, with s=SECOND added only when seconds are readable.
h=1 m=39 s=57
